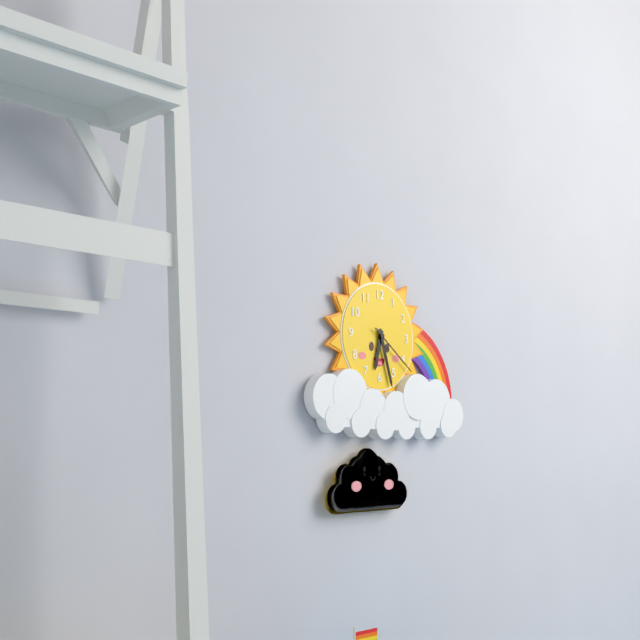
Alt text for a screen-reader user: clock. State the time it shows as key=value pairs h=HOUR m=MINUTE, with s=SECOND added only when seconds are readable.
h=6 m=27 s=21
